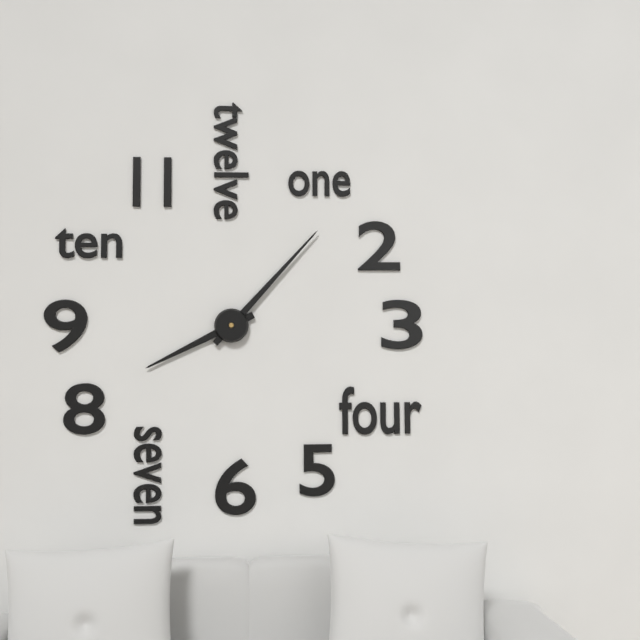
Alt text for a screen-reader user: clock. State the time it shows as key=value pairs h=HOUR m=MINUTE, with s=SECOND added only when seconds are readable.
h=8 m=7
